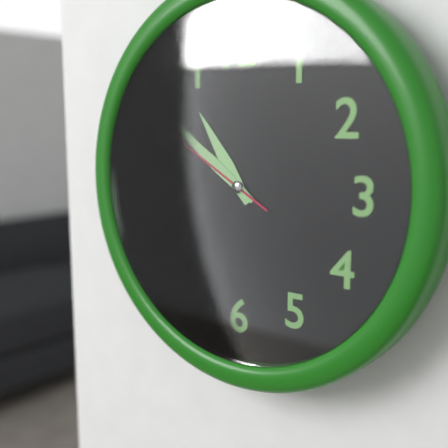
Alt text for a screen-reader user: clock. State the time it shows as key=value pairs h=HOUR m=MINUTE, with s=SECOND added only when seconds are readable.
h=10 m=51 s=50
